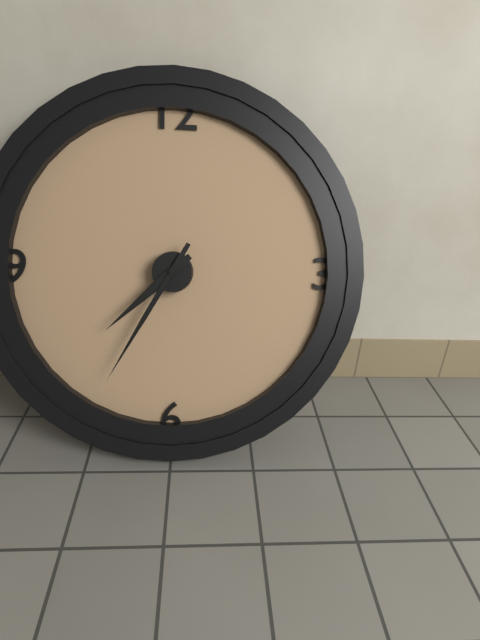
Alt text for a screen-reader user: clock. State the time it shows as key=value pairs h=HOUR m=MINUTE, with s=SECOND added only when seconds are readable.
h=7 m=35
